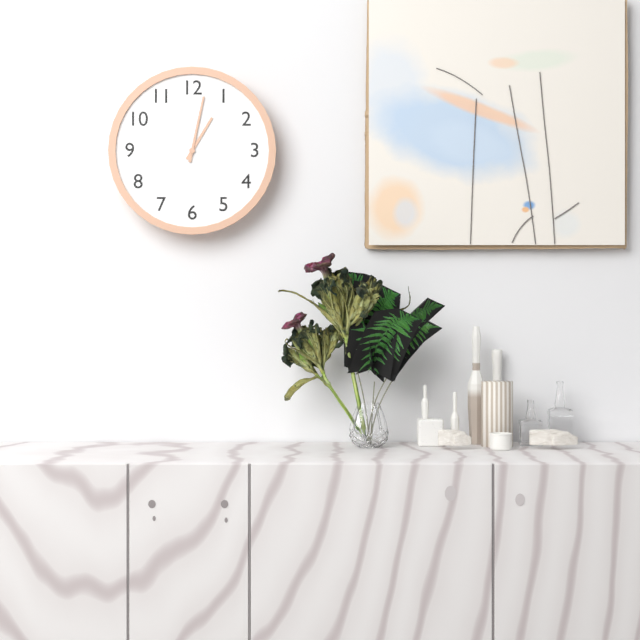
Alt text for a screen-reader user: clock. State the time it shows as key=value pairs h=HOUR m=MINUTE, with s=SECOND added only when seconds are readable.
h=1 m=2
